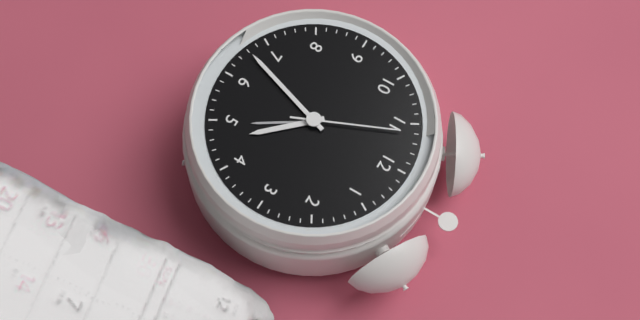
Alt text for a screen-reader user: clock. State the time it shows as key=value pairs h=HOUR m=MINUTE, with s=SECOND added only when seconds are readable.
h=4 m=33 s=56
